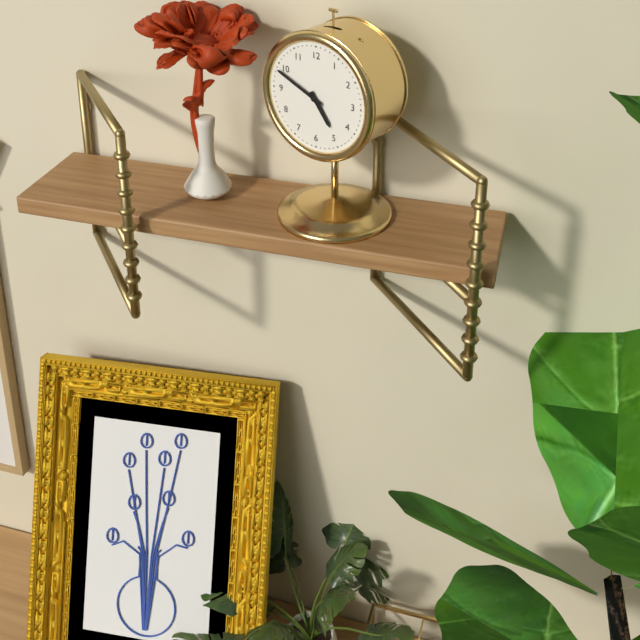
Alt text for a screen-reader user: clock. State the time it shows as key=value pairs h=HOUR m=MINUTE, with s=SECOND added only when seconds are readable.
h=4 m=49
